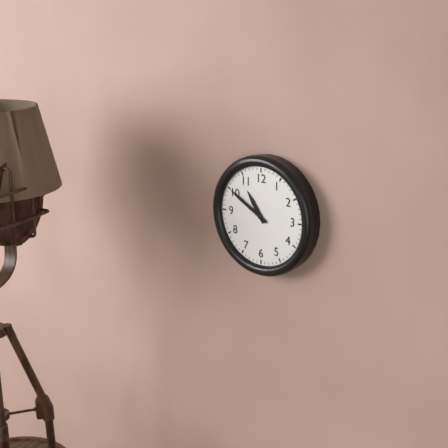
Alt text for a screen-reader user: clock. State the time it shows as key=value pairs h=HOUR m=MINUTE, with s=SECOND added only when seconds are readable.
h=10 m=50
